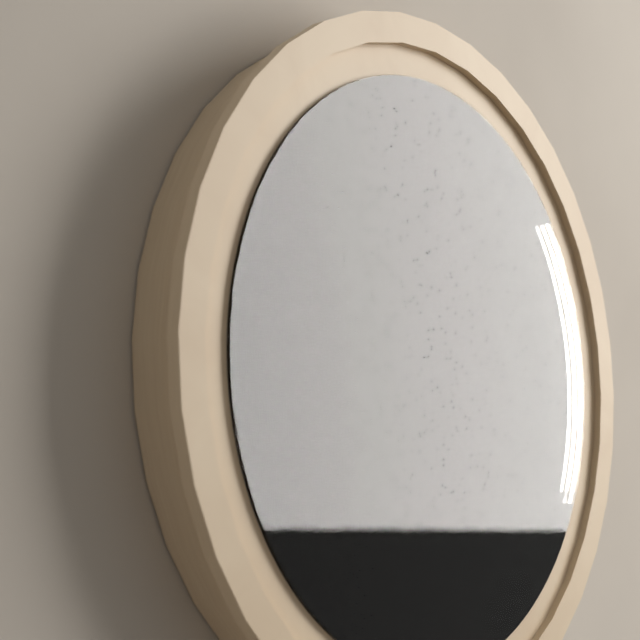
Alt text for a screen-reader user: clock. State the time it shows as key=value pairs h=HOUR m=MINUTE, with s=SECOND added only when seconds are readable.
h=7 m=6
